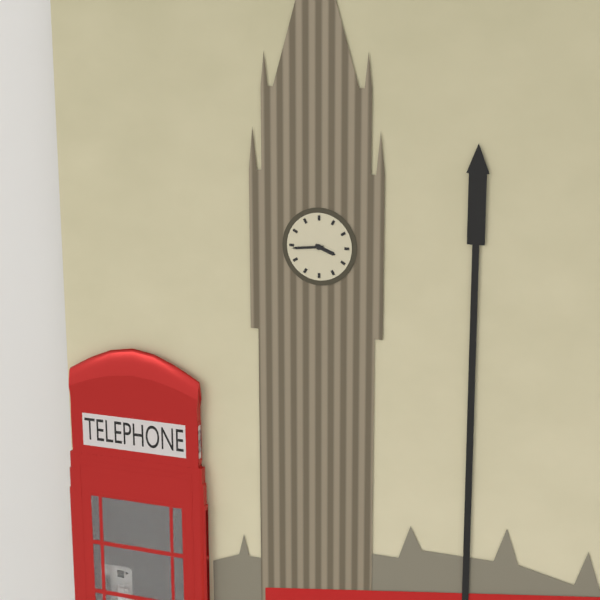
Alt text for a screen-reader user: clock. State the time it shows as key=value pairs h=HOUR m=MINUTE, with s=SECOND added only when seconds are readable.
h=3 m=44
